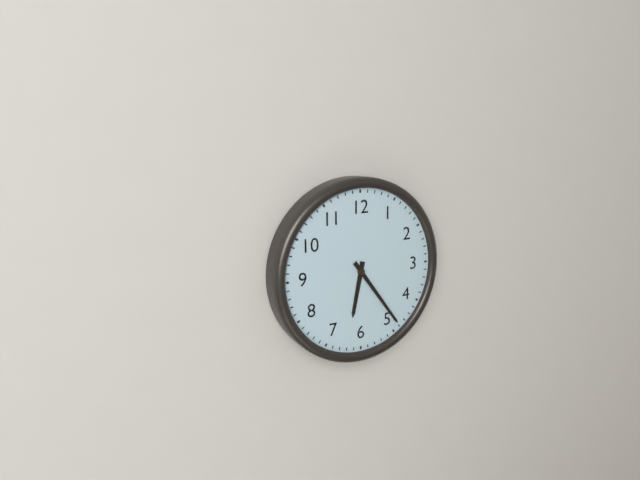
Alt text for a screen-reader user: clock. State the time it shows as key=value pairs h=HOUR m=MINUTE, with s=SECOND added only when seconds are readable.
h=6 m=24
